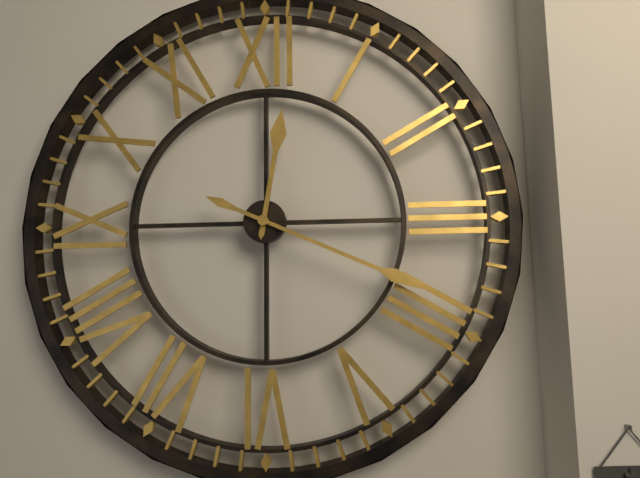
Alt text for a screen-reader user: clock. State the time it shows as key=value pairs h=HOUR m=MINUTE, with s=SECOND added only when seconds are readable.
h=12 m=19
